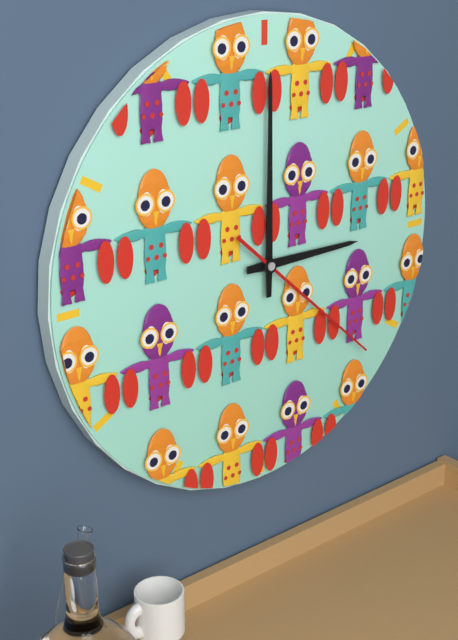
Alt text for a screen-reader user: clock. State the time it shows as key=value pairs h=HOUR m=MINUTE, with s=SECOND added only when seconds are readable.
h=3 m=0 s=22
